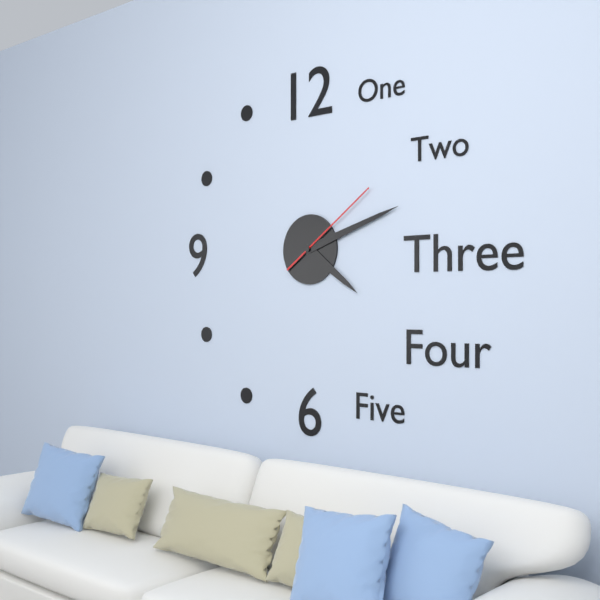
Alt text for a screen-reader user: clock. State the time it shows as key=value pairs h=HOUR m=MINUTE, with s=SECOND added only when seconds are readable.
h=4 m=12 s=9
